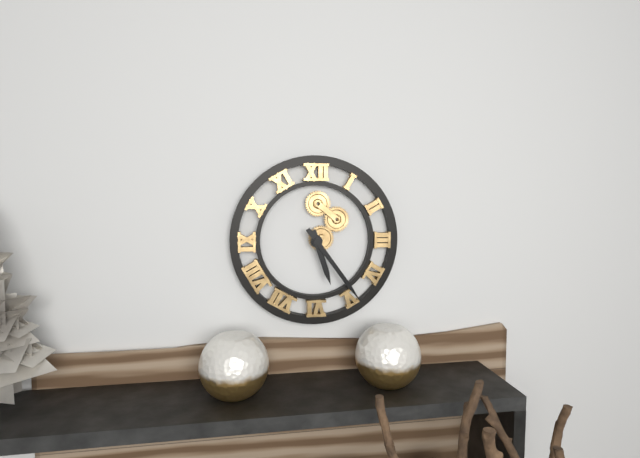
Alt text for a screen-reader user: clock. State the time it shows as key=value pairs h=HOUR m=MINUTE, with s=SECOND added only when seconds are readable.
h=5 m=24
